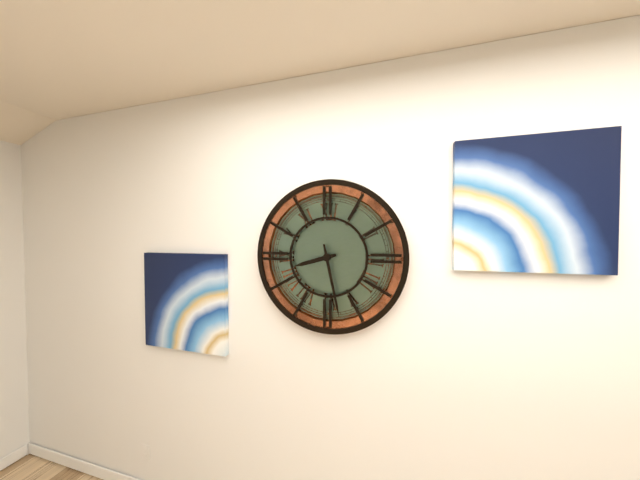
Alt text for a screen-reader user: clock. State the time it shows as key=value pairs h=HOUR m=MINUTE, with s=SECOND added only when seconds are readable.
h=8 m=28
